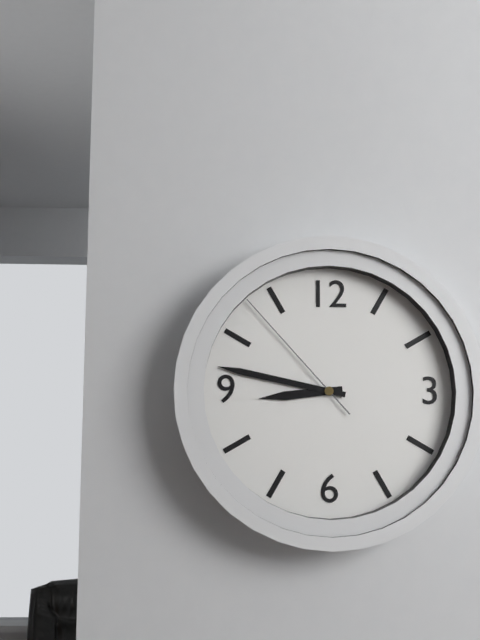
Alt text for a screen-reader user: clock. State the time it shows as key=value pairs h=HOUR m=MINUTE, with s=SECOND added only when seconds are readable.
h=8 m=47 s=53
